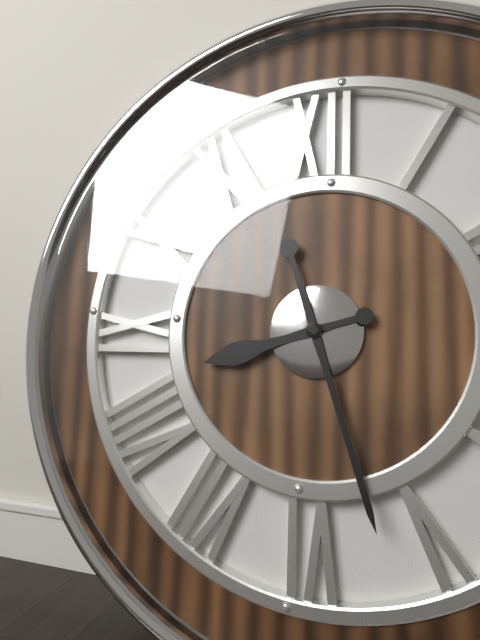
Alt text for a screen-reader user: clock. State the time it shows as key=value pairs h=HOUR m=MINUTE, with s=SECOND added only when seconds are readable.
h=8 m=27
